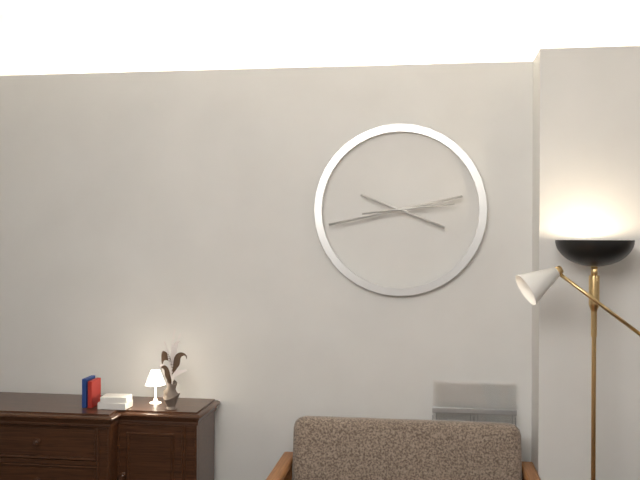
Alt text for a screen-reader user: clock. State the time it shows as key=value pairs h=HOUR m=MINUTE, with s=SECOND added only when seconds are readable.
h=3 m=43 s=14
